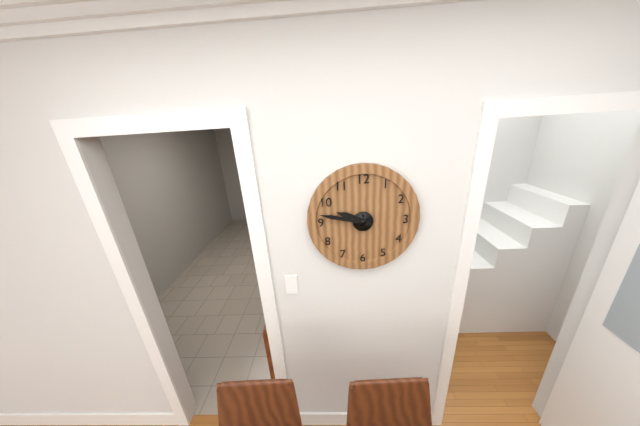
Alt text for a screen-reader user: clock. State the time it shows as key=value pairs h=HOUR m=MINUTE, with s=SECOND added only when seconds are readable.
h=9 m=47
